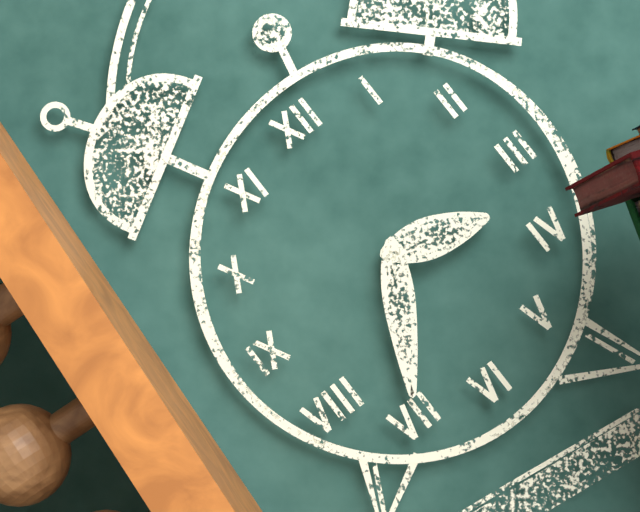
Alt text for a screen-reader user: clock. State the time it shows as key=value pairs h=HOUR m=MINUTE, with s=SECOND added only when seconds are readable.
h=3 m=35
